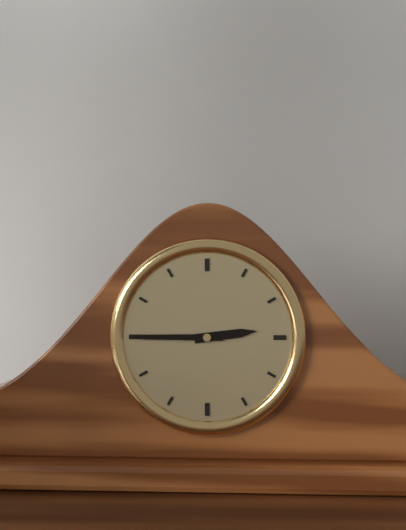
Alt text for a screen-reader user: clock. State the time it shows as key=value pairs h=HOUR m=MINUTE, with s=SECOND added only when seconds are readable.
h=2 m=45
